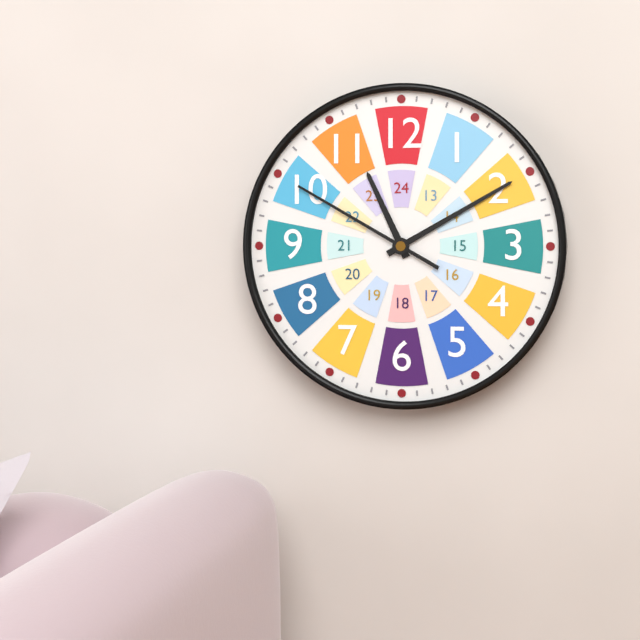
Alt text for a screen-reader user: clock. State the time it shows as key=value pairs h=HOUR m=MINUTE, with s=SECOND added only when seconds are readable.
h=11 m=10 s=50
